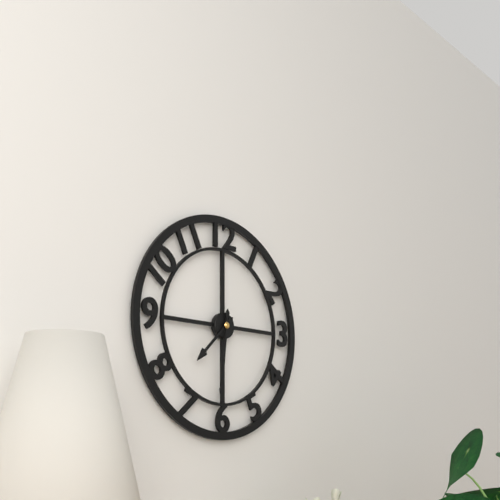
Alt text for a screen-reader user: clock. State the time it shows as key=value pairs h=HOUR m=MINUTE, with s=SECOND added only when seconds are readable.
h=7 m=31
